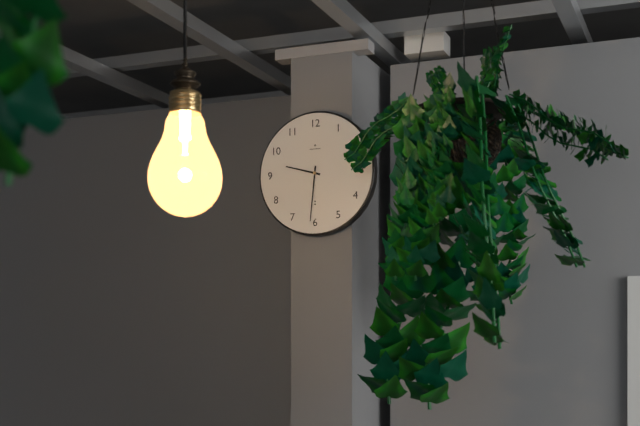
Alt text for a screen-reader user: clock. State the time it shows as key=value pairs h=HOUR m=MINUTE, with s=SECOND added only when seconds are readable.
h=9 m=31
